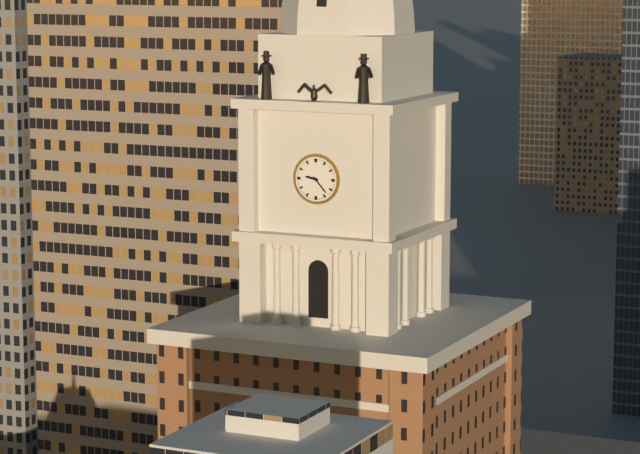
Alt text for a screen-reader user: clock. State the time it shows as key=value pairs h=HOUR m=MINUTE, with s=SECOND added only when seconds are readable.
h=9 m=23
